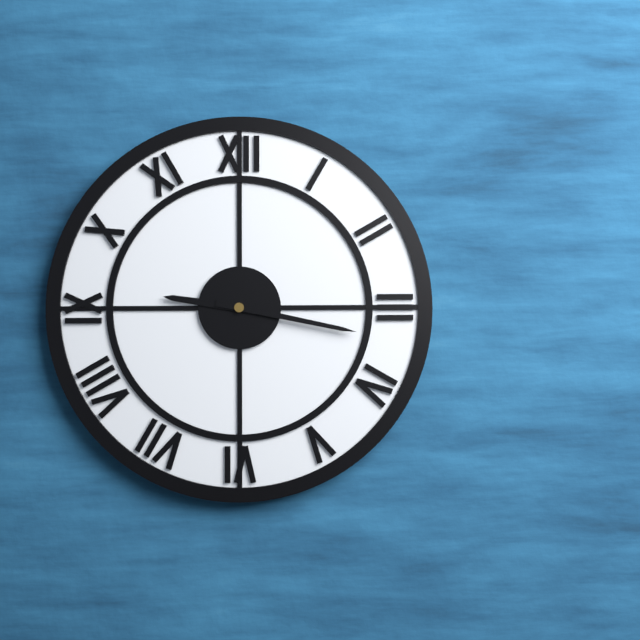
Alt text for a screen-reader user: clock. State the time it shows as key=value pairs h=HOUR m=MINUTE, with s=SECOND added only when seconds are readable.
h=9 m=17
